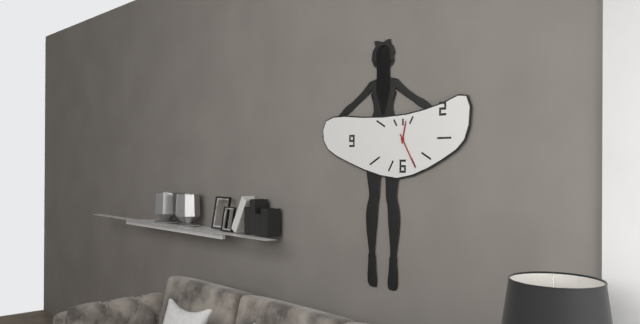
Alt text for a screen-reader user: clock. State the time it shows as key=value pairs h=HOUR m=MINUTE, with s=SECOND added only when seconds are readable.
h=12 m=25
